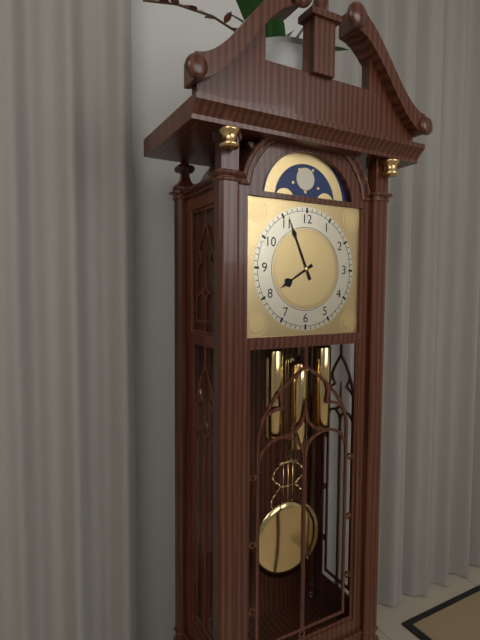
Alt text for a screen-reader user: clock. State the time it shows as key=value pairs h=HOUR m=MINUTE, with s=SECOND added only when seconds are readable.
h=7 m=56
